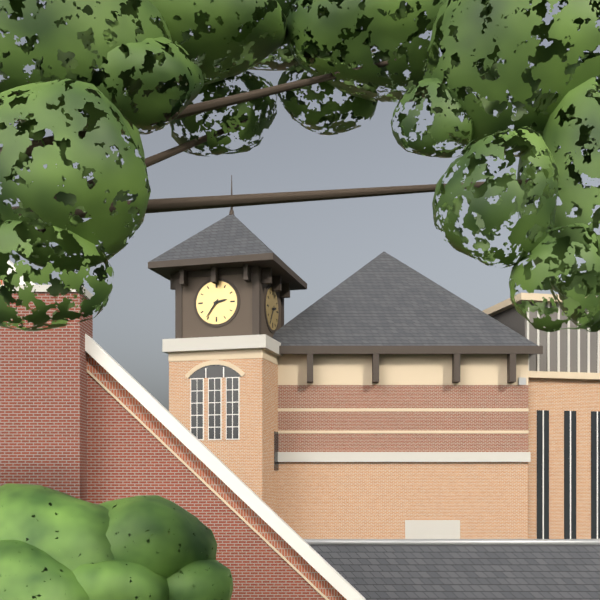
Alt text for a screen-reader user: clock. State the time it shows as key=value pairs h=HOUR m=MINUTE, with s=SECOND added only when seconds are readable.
h=2 m=36
